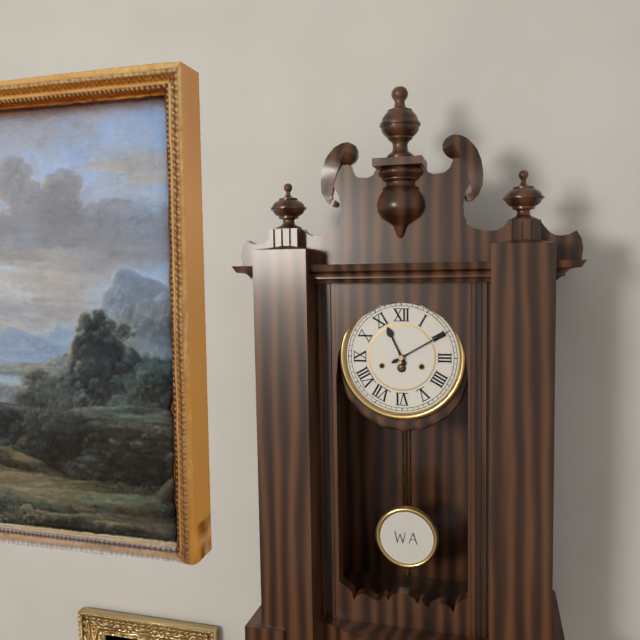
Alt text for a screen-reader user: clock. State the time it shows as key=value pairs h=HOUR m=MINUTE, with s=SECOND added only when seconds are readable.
h=11 m=10
